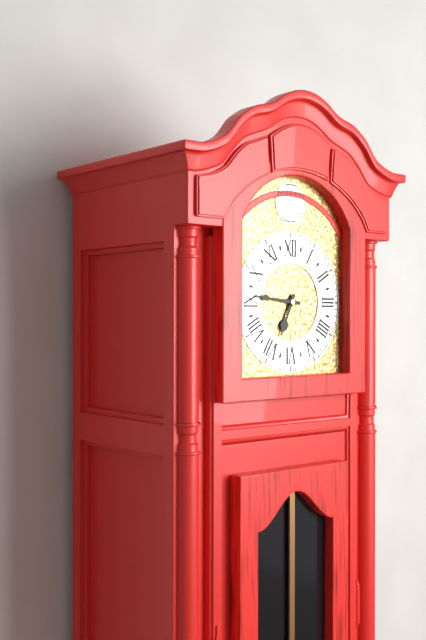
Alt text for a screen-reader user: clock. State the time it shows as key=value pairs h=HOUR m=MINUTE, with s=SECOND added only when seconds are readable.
h=6 m=46
